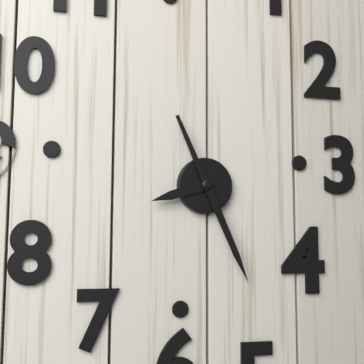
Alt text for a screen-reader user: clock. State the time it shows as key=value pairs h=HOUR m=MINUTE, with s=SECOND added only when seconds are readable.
h=8 m=26
